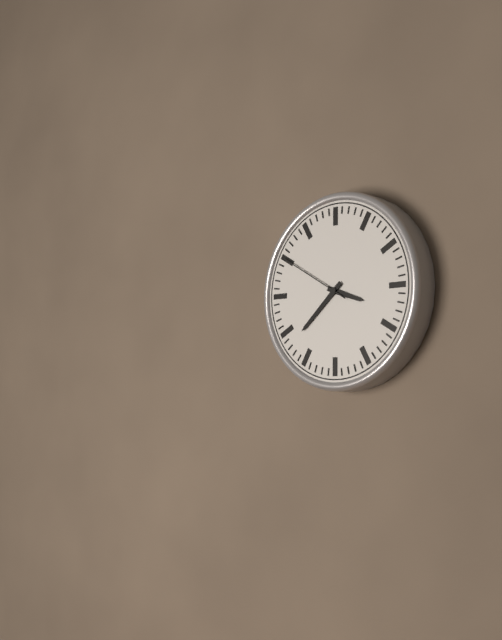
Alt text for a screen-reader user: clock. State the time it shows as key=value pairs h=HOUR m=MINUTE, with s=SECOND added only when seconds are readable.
h=3 m=38 s=50
